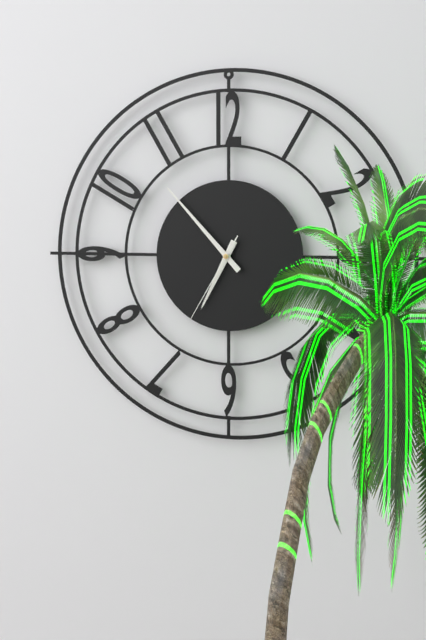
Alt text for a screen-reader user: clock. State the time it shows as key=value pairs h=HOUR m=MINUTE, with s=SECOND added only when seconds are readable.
h=6 m=53 s=35
